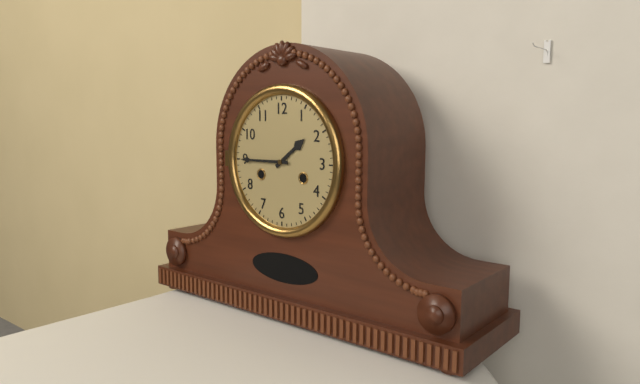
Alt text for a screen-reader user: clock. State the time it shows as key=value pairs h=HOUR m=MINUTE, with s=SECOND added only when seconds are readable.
h=1 m=45
